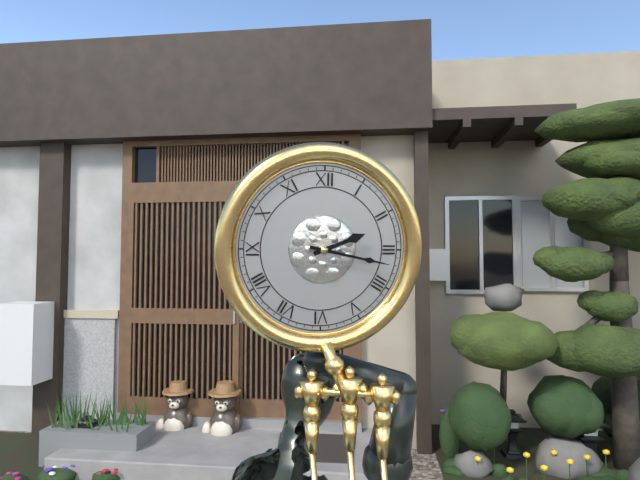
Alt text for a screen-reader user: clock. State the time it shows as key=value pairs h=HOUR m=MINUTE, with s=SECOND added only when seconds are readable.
h=2 m=17
